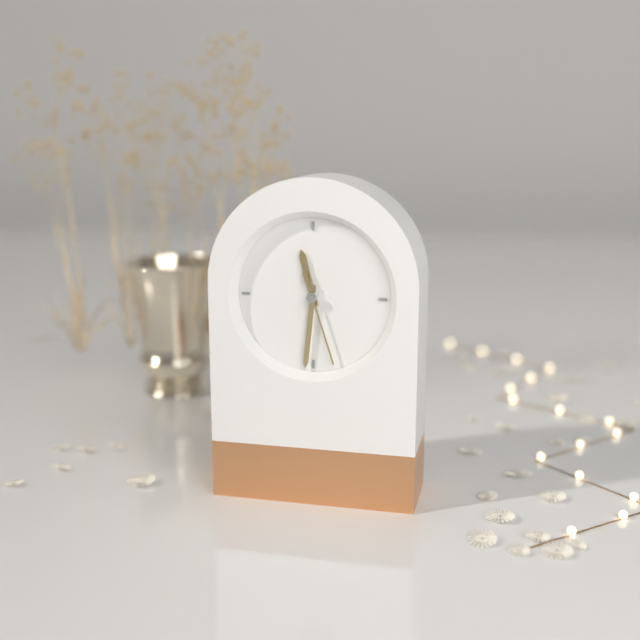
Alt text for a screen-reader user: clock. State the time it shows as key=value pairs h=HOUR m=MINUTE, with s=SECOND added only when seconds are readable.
h=11 m=31 s=27
